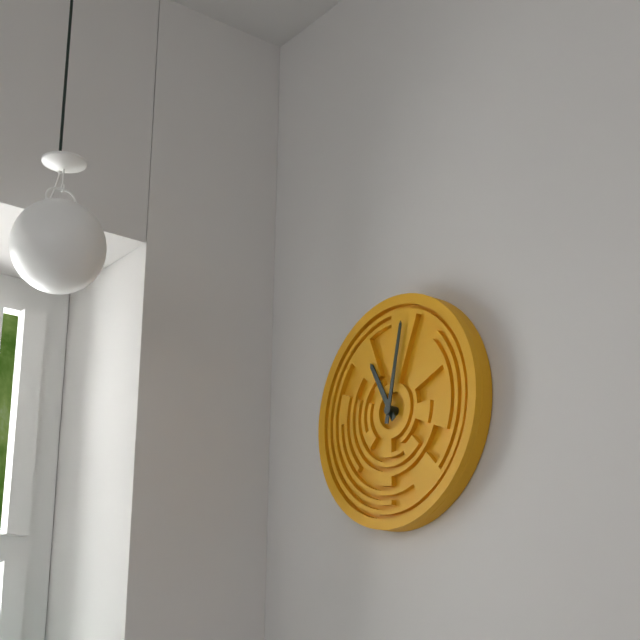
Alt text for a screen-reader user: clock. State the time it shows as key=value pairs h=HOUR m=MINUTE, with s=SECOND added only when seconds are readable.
h=11 m=2
